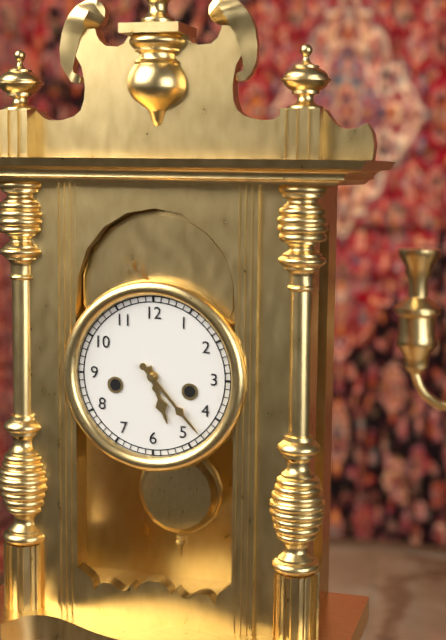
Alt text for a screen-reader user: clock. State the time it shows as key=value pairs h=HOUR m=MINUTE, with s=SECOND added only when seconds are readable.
h=5 m=23
